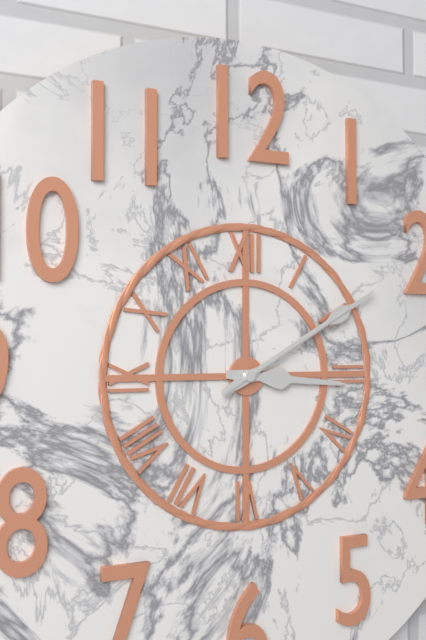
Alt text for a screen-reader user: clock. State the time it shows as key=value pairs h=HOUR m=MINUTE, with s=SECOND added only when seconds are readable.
h=3 m=10 s=10
